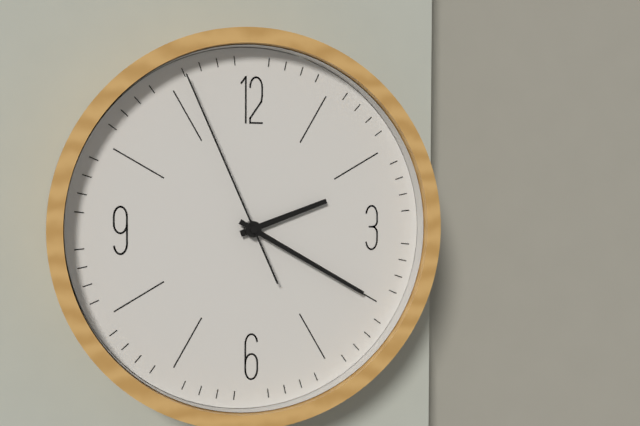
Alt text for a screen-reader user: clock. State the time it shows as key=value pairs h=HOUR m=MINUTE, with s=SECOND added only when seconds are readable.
h=2 m=20 s=56
